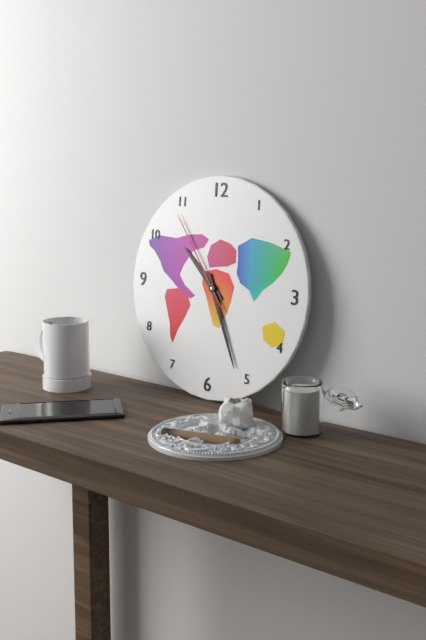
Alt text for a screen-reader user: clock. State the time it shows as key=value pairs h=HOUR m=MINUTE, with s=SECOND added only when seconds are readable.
h=10 m=26 s=54
